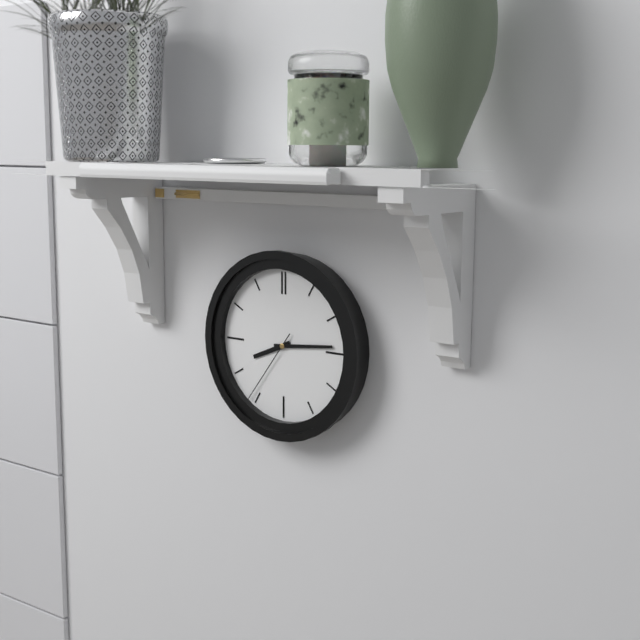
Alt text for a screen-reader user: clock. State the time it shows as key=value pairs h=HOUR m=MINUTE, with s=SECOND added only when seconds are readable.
h=8 m=14 s=36
